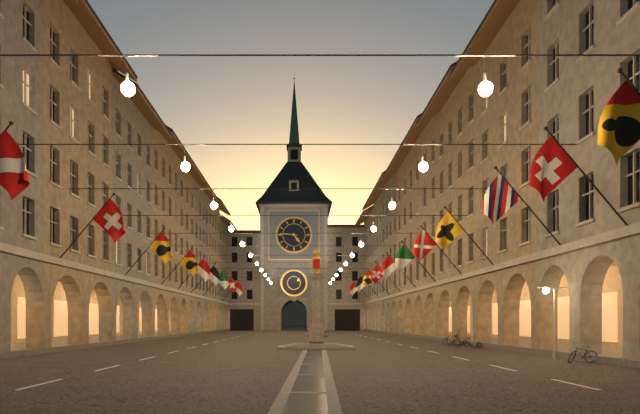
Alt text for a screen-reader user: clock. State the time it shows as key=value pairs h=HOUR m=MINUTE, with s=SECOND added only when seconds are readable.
h=4 m=46
